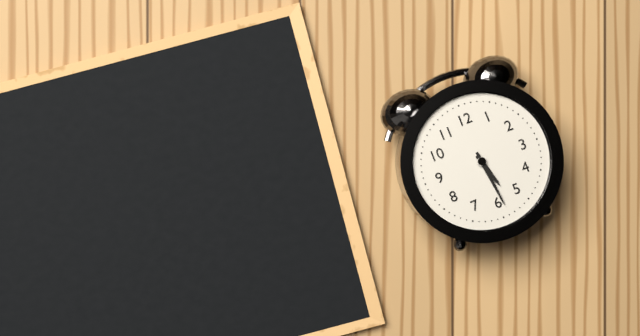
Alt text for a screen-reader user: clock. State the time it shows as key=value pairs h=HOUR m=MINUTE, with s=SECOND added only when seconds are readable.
h=5 m=29
